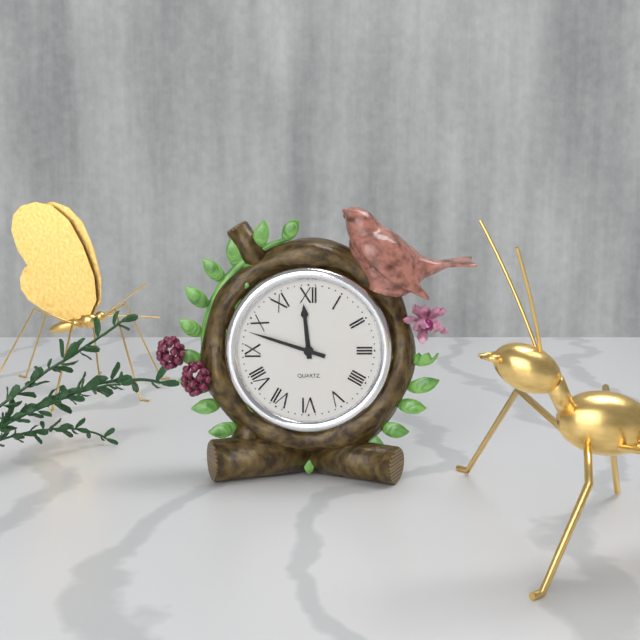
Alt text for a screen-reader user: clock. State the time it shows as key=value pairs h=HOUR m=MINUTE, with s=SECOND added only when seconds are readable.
h=11 m=48
